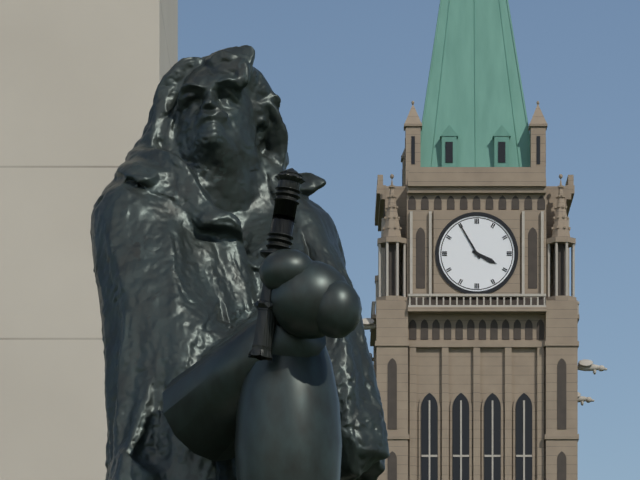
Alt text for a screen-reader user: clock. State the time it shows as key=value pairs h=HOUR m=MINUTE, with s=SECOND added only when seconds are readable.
h=3 m=55
